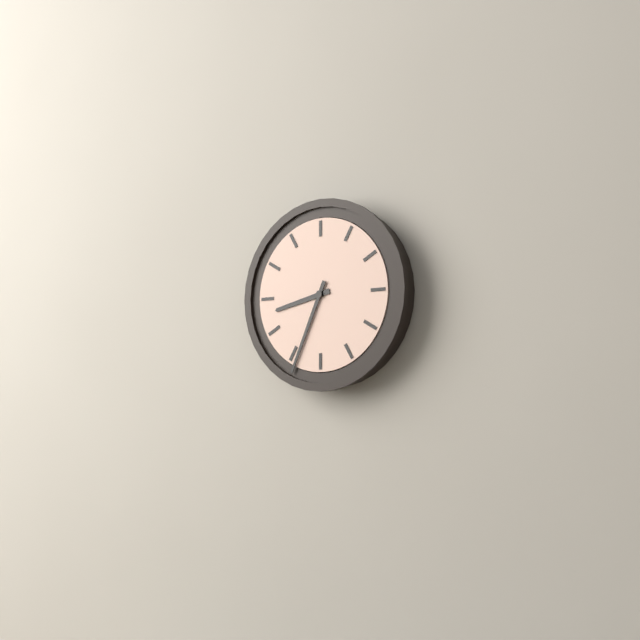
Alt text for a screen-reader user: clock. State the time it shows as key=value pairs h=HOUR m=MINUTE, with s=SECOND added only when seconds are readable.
h=8 m=34
